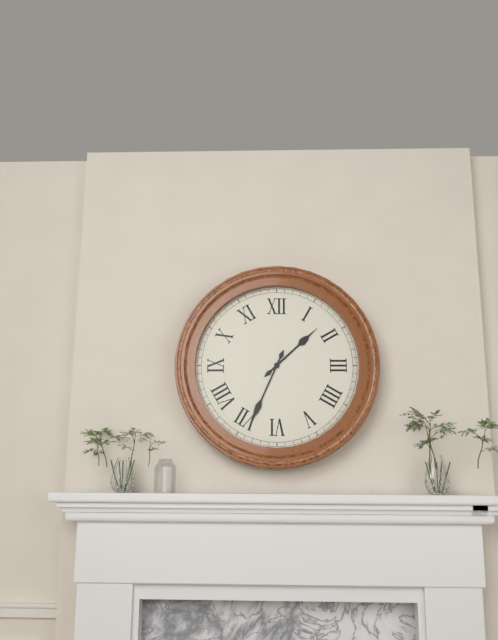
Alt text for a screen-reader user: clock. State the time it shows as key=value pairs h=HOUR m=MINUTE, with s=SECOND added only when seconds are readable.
h=1 m=34
